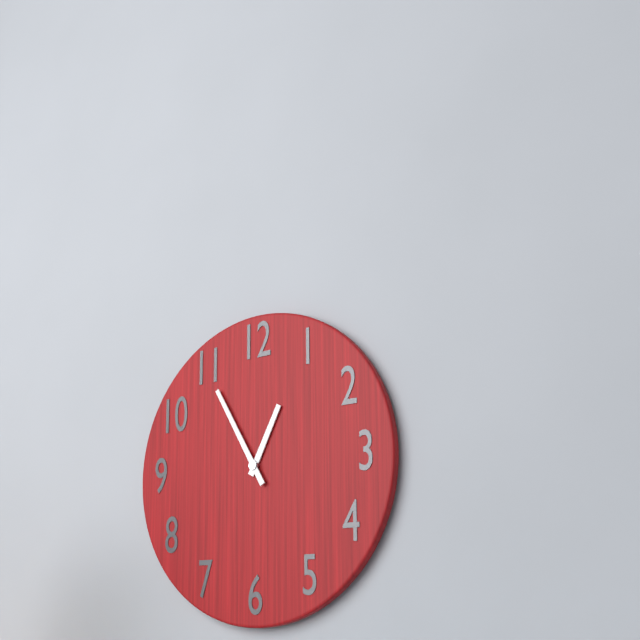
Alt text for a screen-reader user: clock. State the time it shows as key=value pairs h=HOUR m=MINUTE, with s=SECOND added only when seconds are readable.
h=12 m=55
